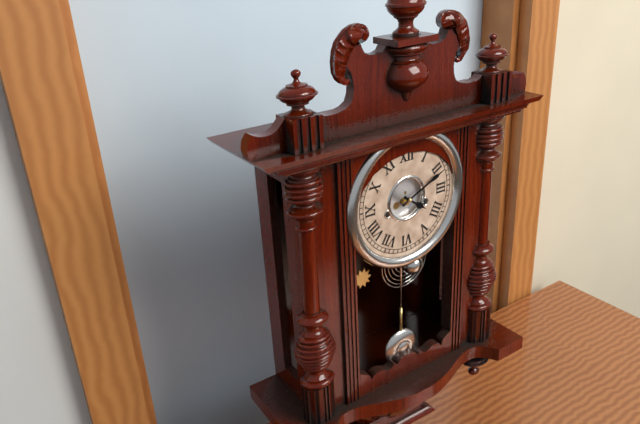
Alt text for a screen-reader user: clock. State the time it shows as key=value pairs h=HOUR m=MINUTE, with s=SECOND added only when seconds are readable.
h=4 m=11
